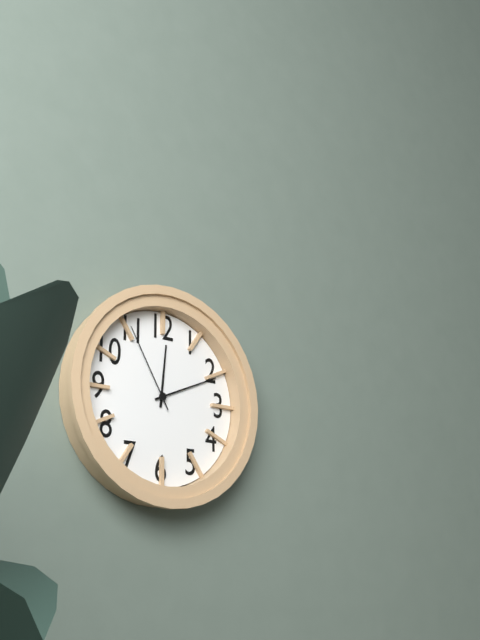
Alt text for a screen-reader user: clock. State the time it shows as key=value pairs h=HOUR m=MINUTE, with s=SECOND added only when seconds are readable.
h=12 m=11 s=55
